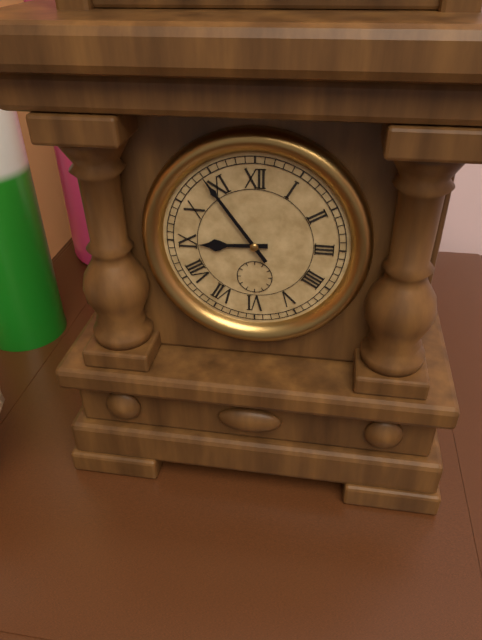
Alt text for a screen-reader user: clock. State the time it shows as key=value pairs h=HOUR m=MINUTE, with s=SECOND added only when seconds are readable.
h=8 m=54
